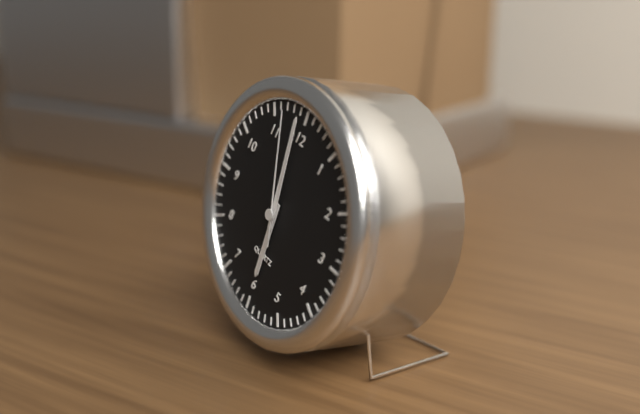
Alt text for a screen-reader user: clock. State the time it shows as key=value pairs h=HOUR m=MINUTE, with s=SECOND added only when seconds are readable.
h=5 m=59 s=57
